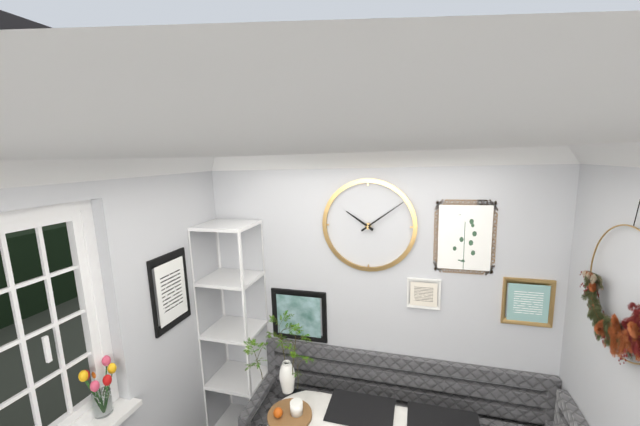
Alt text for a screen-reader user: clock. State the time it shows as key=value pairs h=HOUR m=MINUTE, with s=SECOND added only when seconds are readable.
h=10 m=9
